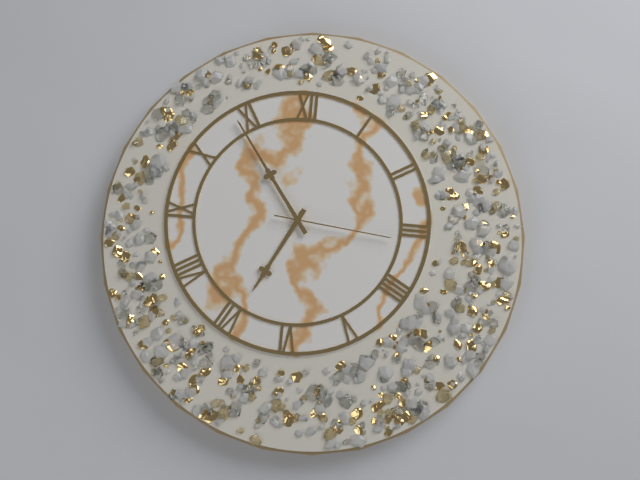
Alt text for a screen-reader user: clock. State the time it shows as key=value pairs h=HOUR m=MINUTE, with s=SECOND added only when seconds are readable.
h=6 m=54 s=16
